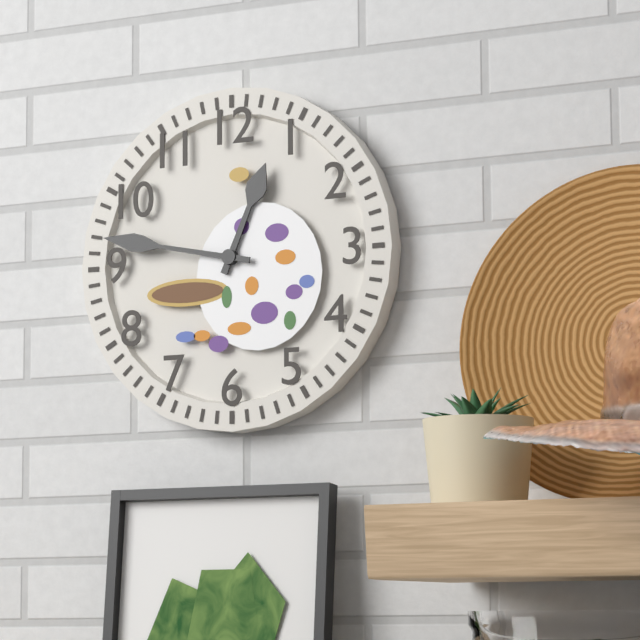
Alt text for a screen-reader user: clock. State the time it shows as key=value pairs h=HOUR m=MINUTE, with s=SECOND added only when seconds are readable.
h=12 m=47
